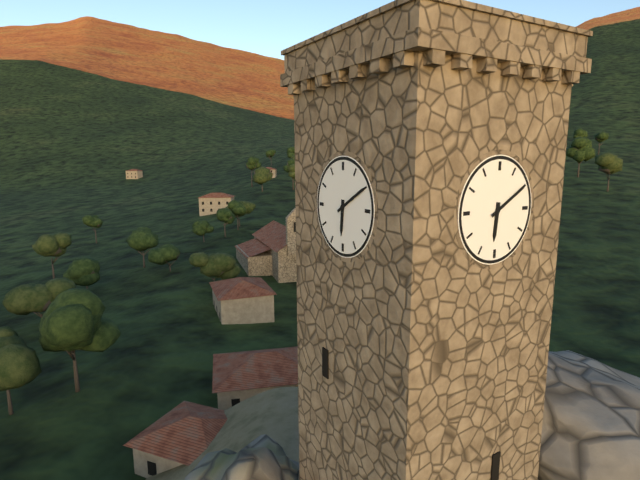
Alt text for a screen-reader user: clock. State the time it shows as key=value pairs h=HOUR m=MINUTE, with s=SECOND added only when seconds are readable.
h=6 m=10
